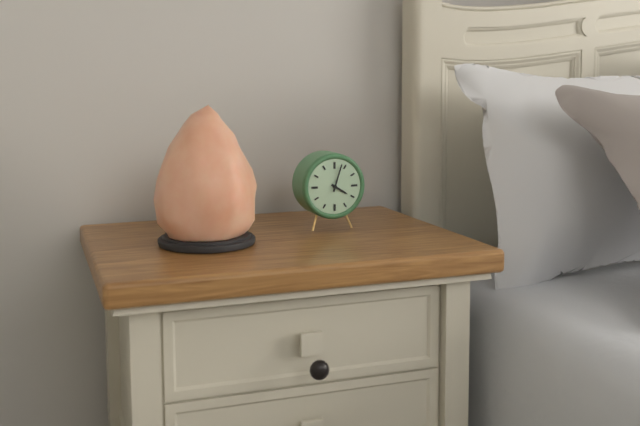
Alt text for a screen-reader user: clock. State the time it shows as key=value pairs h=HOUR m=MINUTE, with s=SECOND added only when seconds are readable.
h=4 m=3
